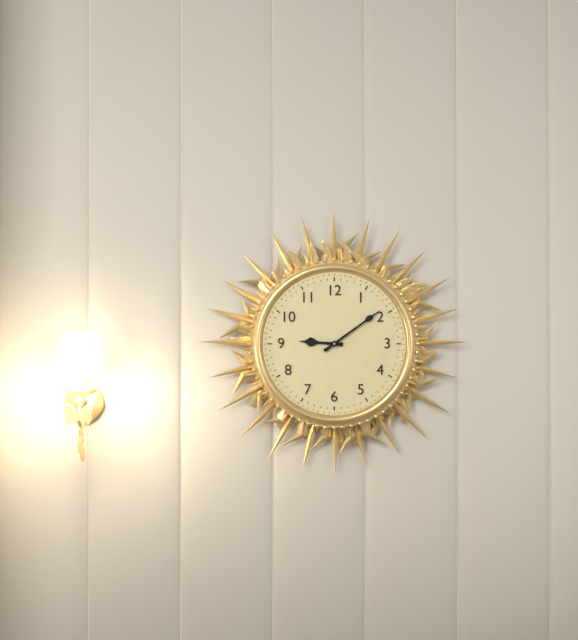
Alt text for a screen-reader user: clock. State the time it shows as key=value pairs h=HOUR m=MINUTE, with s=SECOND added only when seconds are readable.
h=9 m=9
